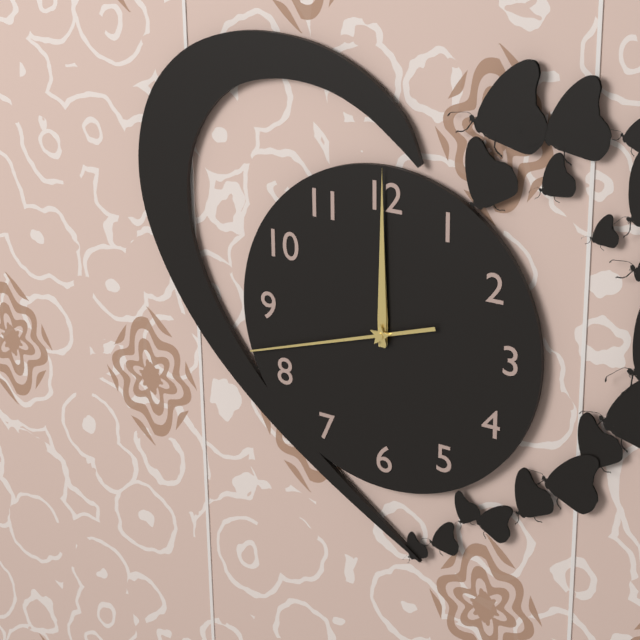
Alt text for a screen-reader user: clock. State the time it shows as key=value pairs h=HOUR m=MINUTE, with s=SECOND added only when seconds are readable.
h=12 m=0 s=42
